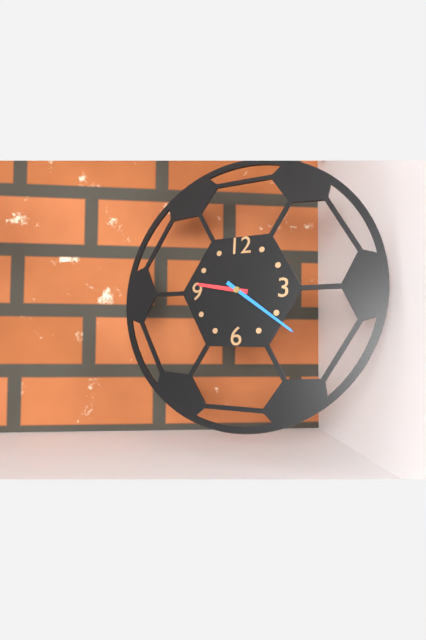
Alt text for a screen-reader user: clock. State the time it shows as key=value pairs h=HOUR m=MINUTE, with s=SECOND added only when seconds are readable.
h=9 m=21
